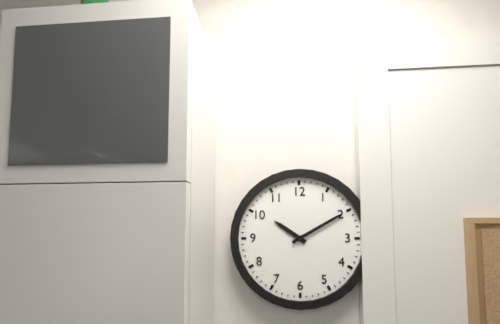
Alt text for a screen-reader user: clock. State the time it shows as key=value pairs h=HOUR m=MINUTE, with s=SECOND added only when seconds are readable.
h=10 m=10
